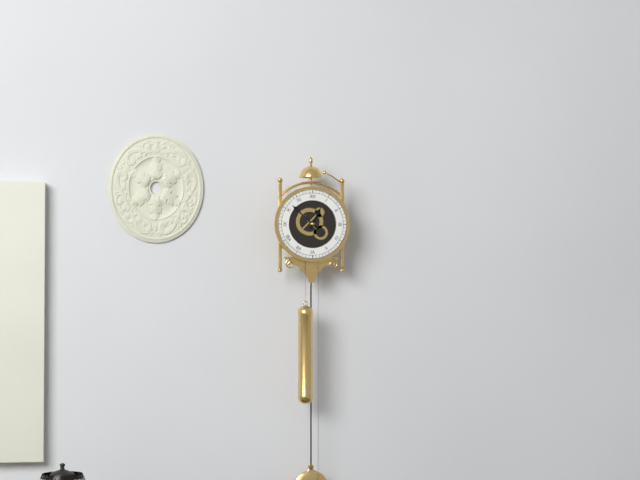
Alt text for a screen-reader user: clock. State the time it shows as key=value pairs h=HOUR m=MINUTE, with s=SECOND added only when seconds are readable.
h=12 m=52
